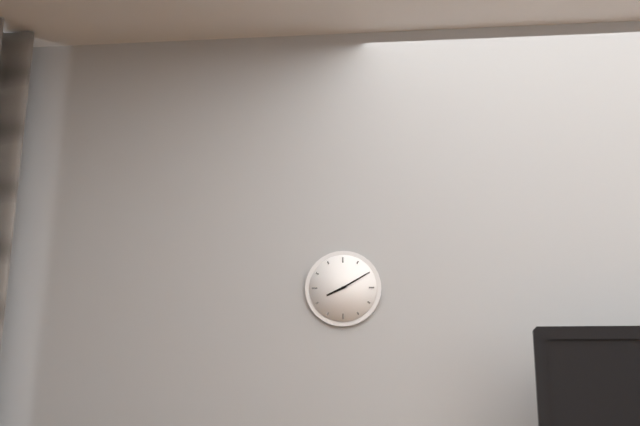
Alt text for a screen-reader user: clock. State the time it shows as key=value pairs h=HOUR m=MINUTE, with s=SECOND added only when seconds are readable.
h=8 m=10
